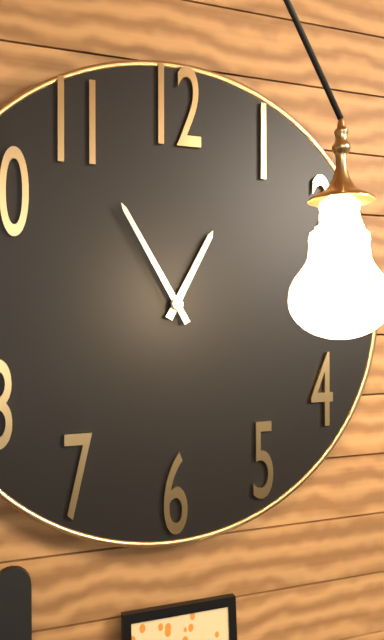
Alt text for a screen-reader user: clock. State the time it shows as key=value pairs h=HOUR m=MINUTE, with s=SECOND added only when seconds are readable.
h=12 m=55
